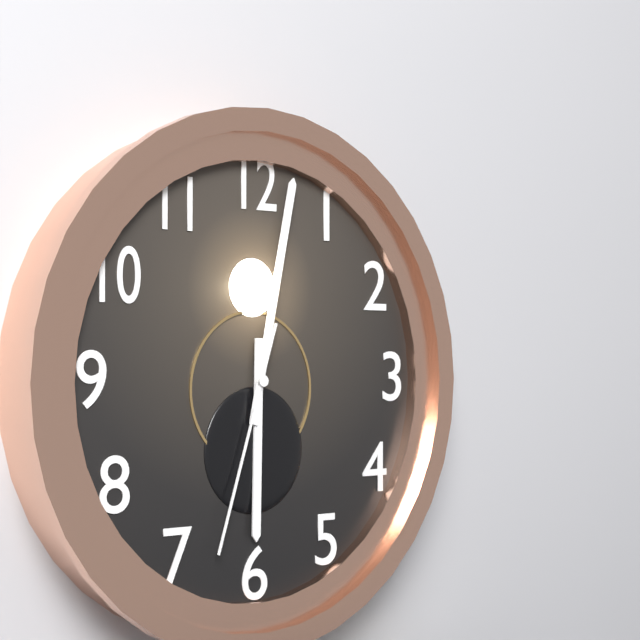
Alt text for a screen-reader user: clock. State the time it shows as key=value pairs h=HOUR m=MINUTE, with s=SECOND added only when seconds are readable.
h=6 m=2 s=33
